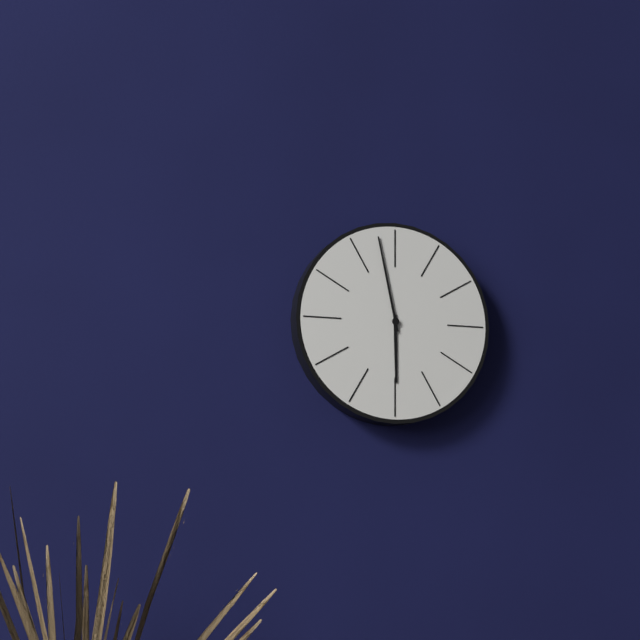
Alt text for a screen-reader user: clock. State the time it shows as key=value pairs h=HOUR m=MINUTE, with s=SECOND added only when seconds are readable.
h=5 m=58
